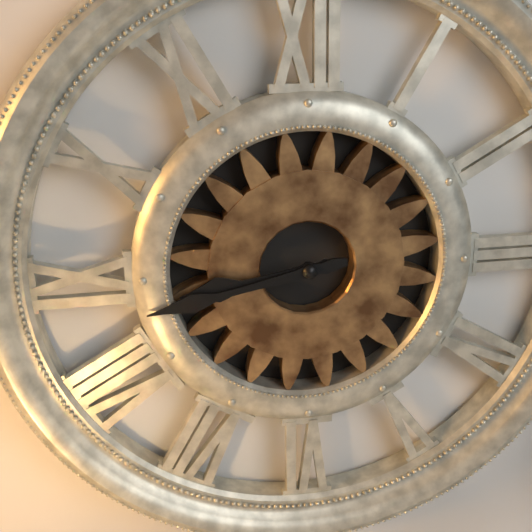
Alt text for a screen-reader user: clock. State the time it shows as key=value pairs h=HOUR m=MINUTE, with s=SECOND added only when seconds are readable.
h=8 m=43
